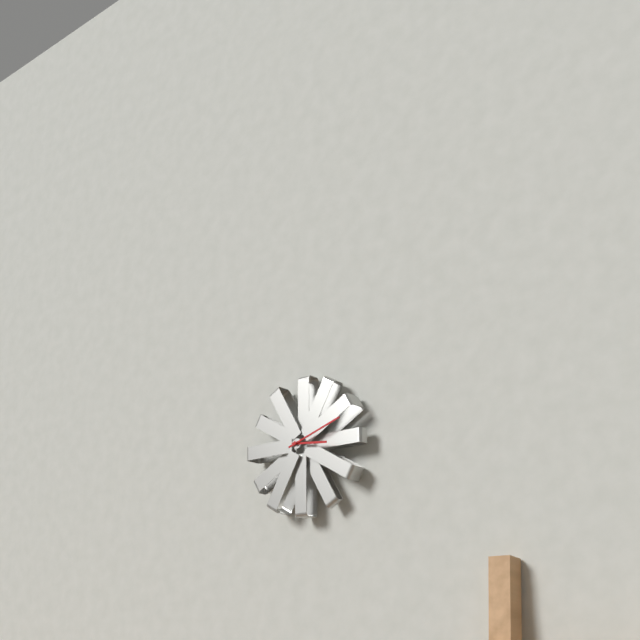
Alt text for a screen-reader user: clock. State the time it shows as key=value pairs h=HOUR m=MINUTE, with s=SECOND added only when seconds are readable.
h=3 m=12
